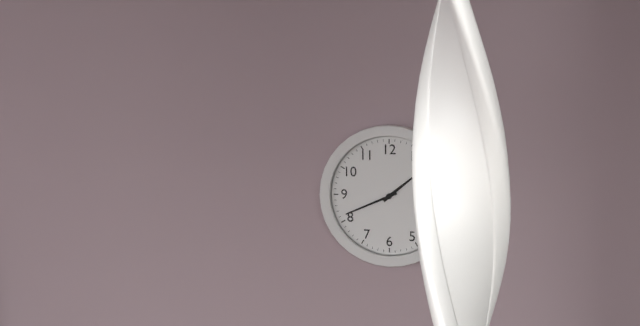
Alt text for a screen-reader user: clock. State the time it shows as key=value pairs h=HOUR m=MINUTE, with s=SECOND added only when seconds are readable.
h=1 m=41
